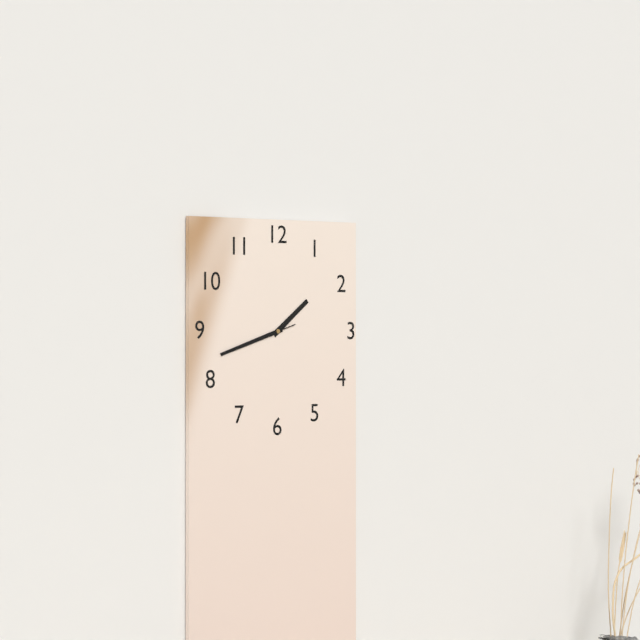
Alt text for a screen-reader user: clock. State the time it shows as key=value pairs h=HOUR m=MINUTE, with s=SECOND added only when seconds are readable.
h=1 m=42 s=42
